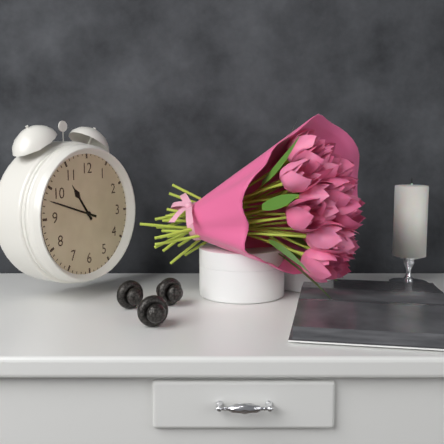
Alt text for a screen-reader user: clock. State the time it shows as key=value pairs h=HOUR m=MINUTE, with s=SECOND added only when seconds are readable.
h=10 m=48
